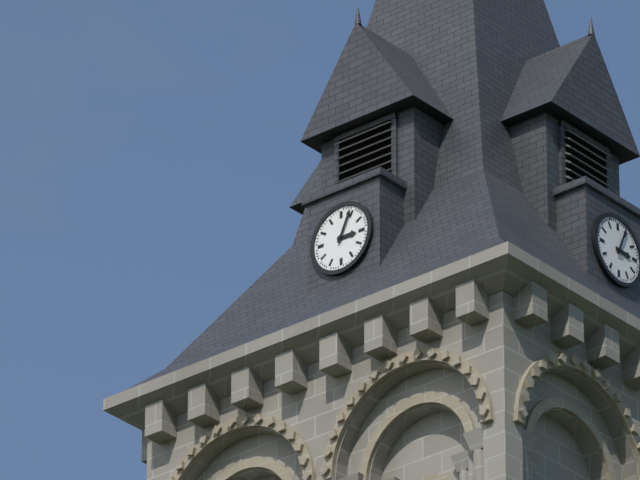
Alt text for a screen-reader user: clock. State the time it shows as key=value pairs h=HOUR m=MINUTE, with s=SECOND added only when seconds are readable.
h=3 m=4
